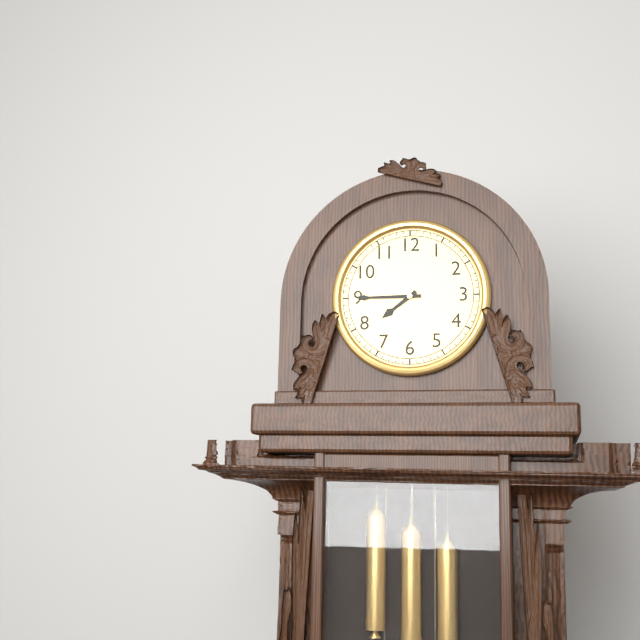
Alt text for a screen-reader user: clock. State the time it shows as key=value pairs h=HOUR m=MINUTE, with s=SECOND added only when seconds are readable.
h=7 m=45
